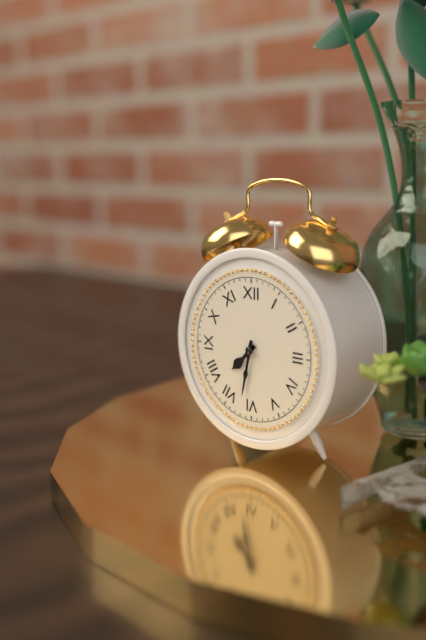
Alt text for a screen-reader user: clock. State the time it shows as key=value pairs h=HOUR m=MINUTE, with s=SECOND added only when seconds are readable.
h=7 m=32
